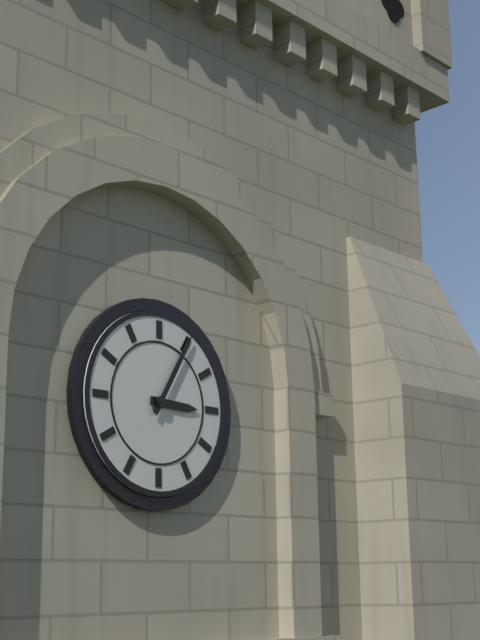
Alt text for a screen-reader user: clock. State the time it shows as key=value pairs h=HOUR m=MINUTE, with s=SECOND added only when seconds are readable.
h=3 m=5
